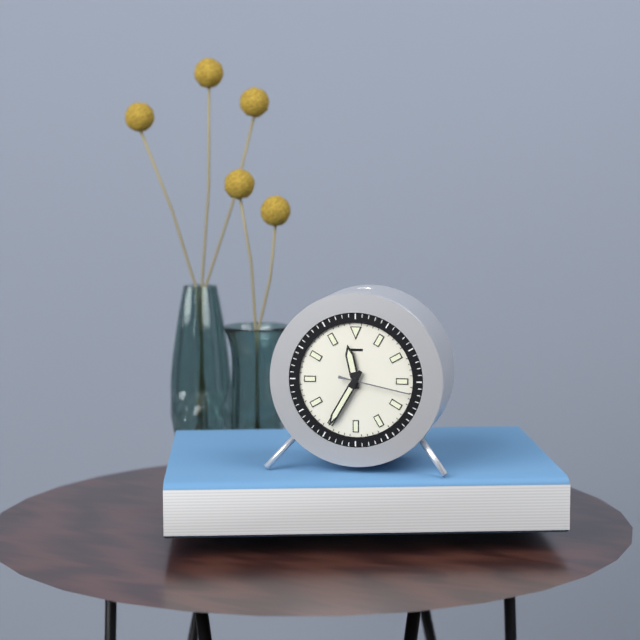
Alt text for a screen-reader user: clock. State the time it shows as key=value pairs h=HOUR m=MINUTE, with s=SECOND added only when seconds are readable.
h=11 m=35 s=17
